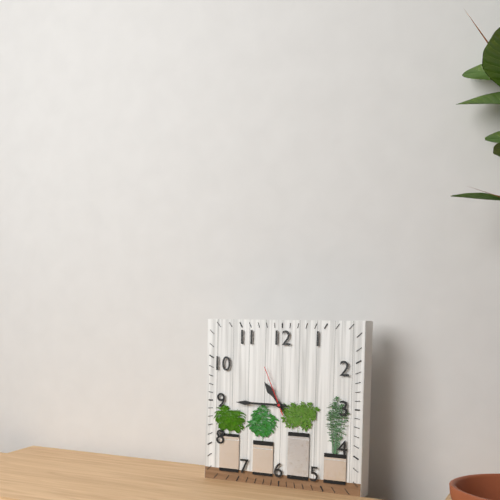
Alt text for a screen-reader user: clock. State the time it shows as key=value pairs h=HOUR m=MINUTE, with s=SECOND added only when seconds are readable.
h=10 m=45 s=56
